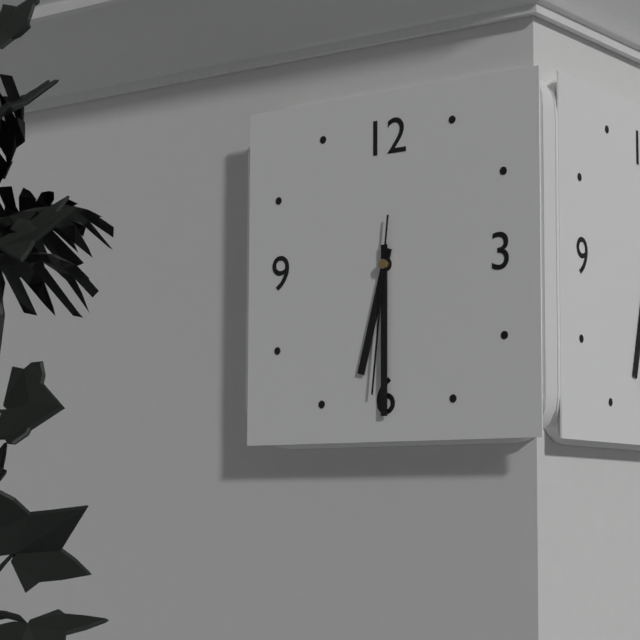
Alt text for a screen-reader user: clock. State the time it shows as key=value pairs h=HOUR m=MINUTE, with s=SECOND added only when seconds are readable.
h=6 m=30 s=31
